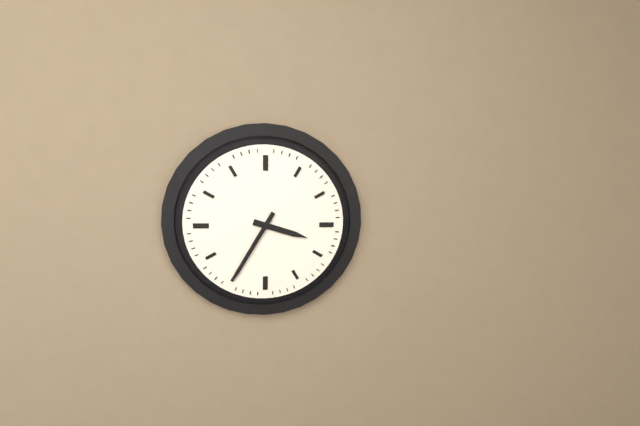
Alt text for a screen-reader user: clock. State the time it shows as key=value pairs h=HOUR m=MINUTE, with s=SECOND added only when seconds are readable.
h=3 m=35
